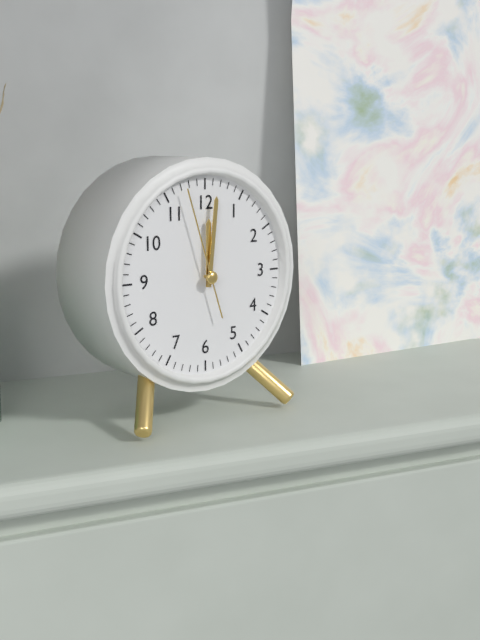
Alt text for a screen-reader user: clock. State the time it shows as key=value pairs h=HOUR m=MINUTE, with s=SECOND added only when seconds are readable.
h=12 m=1 s=57
